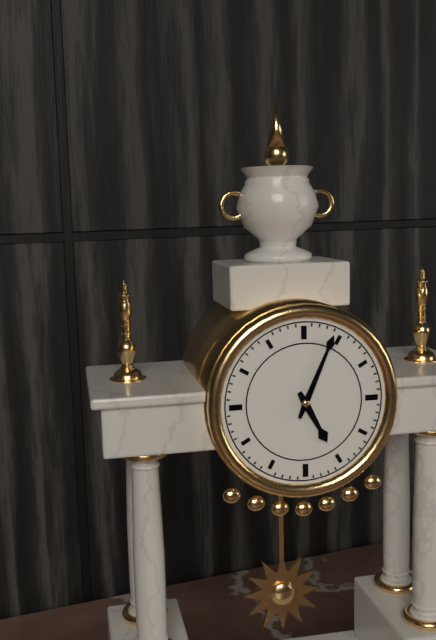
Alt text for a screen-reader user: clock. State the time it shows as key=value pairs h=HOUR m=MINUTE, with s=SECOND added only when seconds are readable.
h=5 m=4
